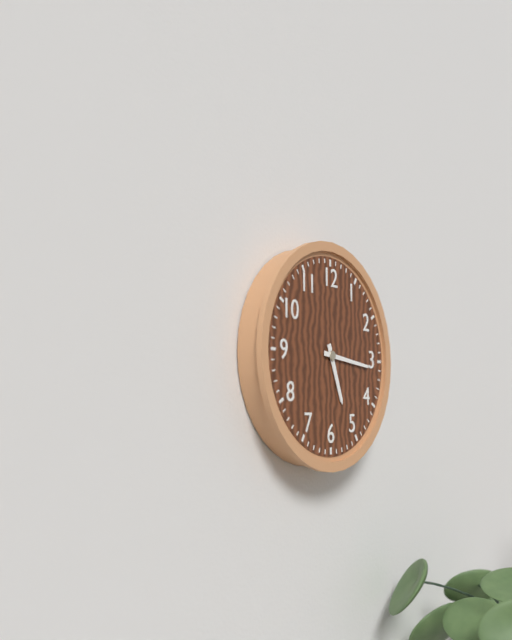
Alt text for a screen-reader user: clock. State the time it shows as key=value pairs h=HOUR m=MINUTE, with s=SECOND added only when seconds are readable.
h=5 m=16
